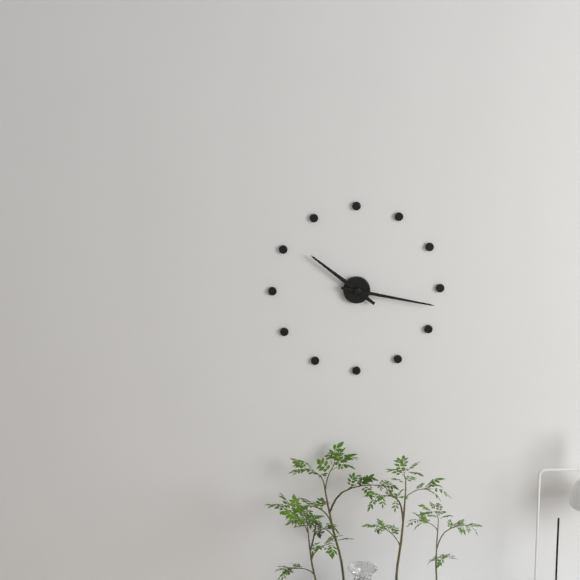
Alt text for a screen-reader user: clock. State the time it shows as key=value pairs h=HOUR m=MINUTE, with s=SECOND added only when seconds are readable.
h=10 m=17
